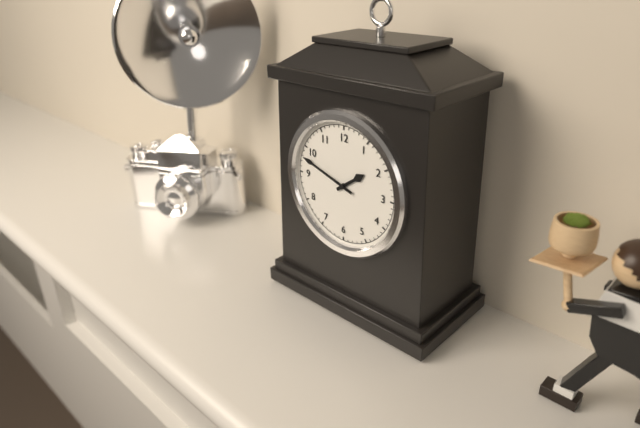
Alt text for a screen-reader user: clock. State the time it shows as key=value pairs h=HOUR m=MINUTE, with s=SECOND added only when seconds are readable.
h=1 m=48
